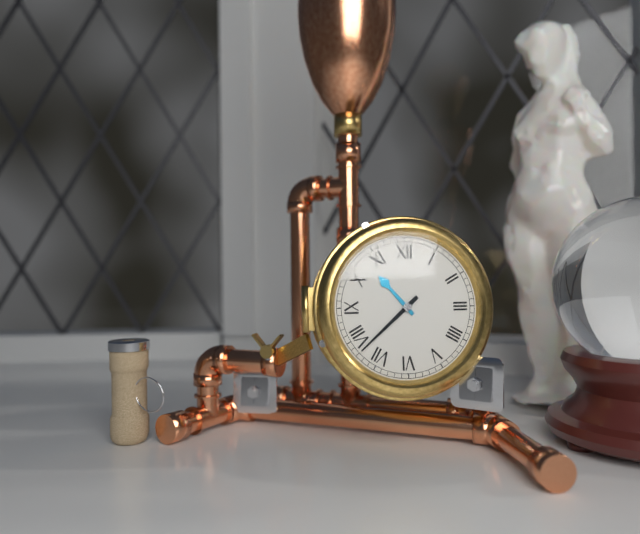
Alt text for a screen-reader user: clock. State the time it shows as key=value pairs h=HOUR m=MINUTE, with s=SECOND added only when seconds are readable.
h=10 m=38
